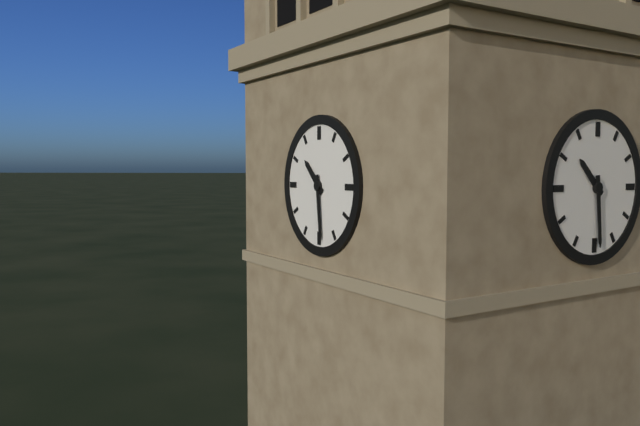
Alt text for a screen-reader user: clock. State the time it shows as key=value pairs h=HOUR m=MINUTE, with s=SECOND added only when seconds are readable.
h=10 m=29
